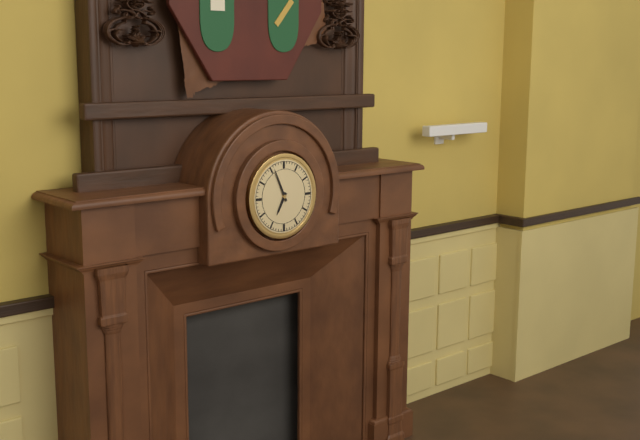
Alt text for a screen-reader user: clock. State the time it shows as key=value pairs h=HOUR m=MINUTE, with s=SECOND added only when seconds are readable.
h=6 m=56
